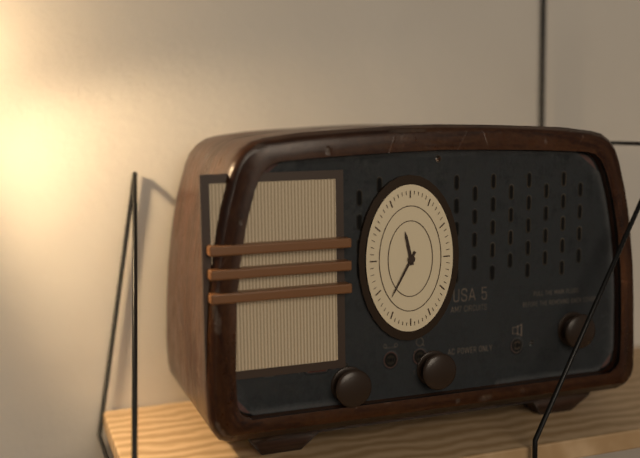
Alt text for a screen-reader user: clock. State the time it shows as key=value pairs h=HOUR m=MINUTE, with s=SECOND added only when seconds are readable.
h=11 m=35
